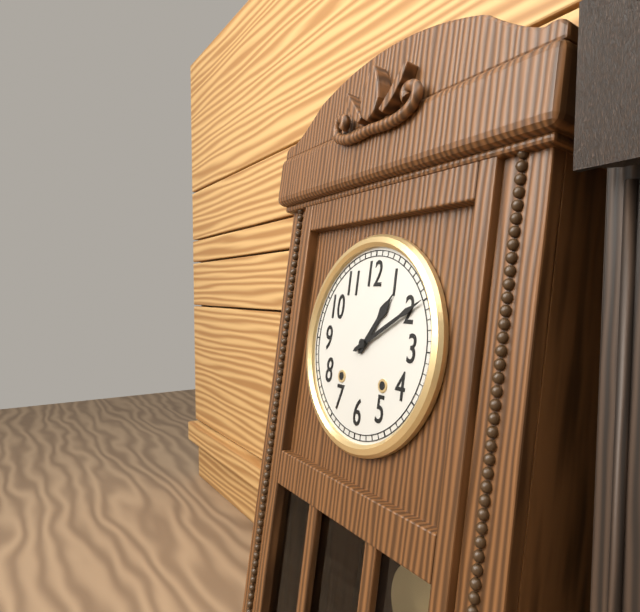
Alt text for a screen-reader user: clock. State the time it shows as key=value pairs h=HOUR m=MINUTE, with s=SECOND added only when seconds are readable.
h=1 m=10
